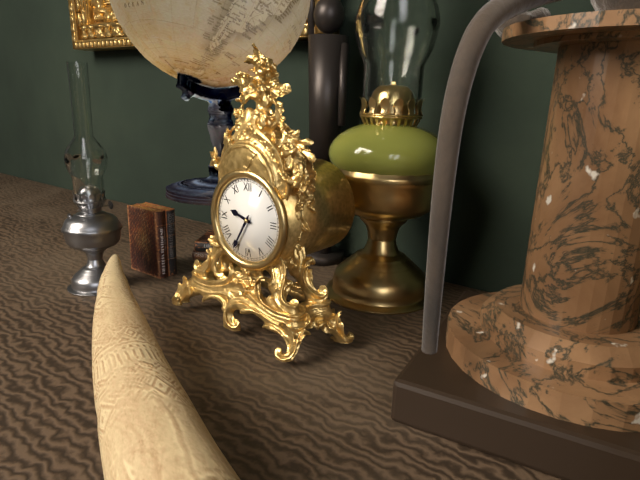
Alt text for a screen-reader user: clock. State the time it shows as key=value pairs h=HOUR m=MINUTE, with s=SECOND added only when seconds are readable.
h=9 m=35
